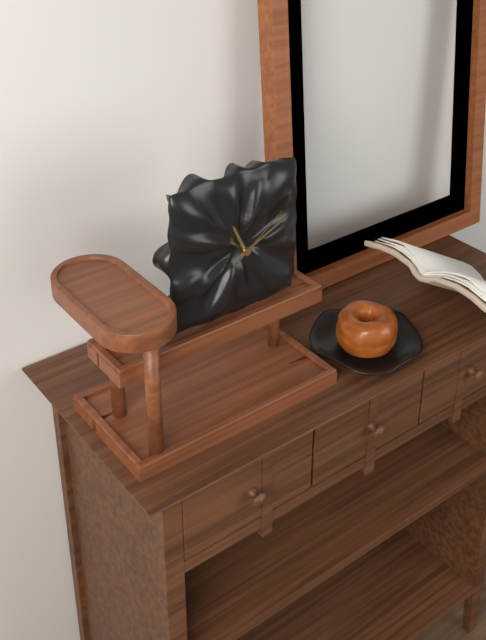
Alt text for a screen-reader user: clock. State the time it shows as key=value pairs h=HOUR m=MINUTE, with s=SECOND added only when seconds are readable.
h=11 m=11 s=9
